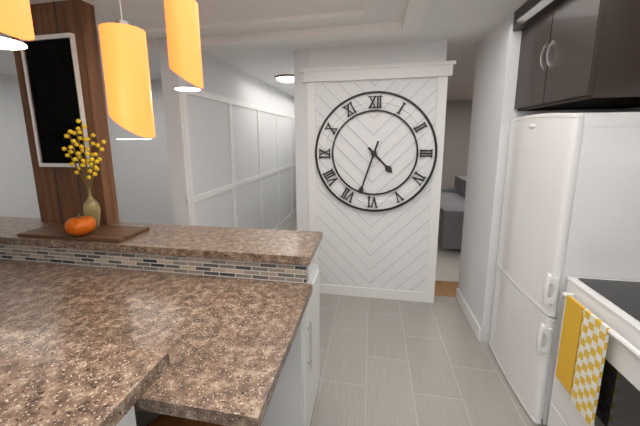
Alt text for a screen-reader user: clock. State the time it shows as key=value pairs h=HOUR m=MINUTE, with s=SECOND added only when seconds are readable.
h=4 m=33
